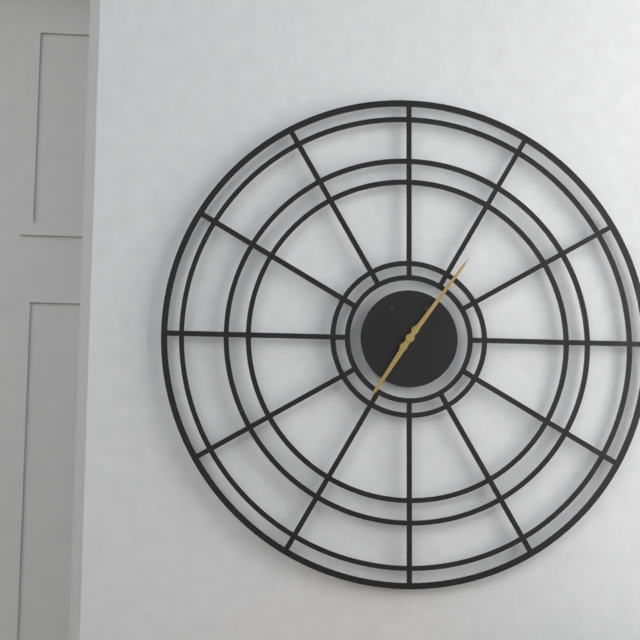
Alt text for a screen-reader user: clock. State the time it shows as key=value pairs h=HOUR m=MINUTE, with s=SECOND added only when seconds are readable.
h=7 m=6
